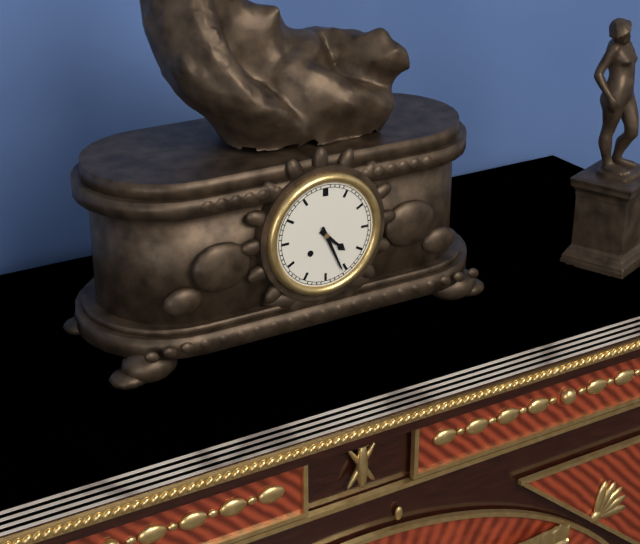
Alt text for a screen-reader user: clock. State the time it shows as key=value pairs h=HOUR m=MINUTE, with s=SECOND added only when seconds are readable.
h=4 m=26
